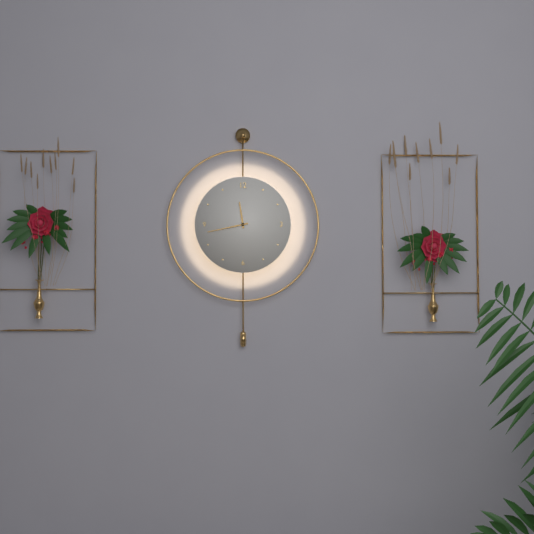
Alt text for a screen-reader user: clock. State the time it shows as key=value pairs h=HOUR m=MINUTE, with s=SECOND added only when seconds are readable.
h=11 m=43
